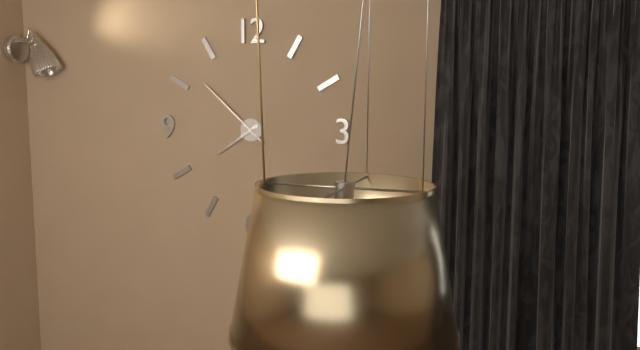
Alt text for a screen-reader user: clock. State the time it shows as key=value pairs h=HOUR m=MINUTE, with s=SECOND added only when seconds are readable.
h=7 m=52
